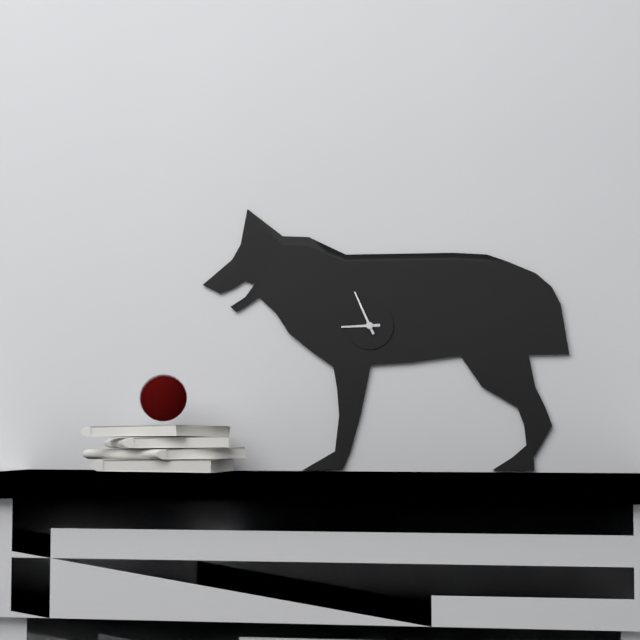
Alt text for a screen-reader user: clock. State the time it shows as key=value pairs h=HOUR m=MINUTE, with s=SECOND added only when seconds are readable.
h=8 m=56
